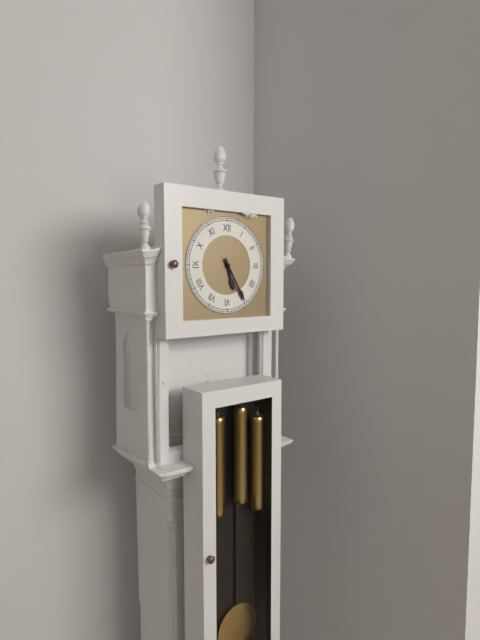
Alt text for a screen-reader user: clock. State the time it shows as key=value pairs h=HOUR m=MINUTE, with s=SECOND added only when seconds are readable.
h=5 m=25
